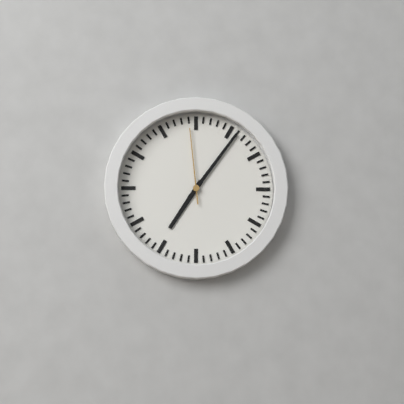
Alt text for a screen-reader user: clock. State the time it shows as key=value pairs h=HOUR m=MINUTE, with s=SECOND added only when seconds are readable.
h=7 m=6 s=59
